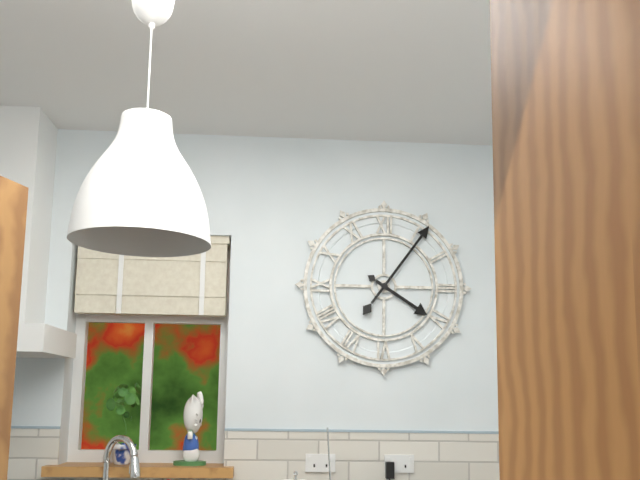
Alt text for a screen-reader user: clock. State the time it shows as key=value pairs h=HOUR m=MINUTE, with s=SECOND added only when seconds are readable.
h=4 m=6
